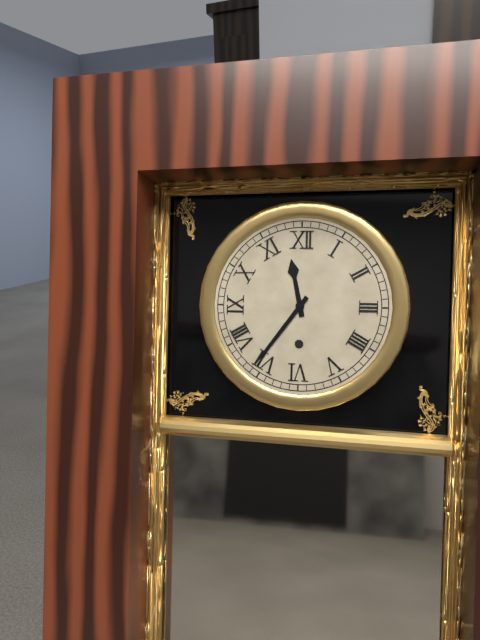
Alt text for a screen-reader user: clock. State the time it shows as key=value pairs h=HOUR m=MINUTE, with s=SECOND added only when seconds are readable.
h=11 m=36
